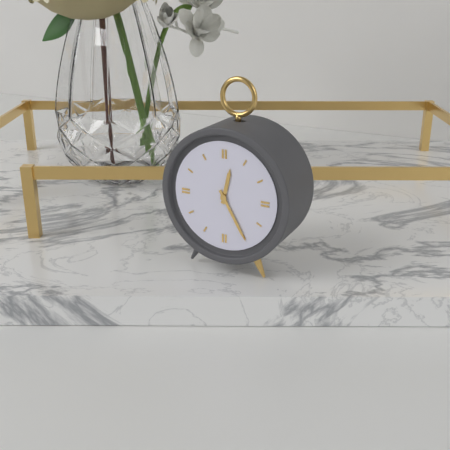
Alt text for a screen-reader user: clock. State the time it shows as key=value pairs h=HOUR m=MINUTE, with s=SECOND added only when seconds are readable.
h=12 m=25
